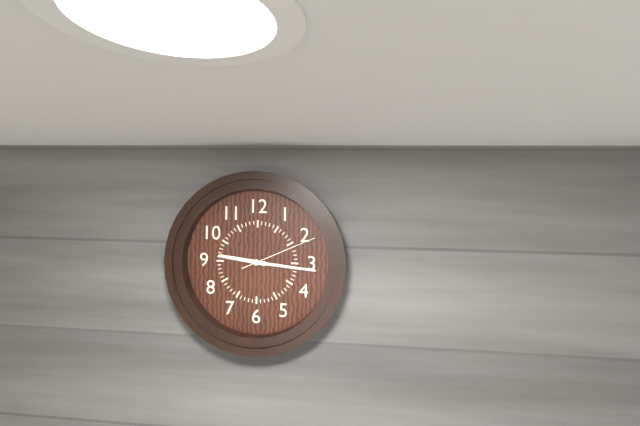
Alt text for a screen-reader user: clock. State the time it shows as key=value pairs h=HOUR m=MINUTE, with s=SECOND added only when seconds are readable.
h=9 m=16 s=11
